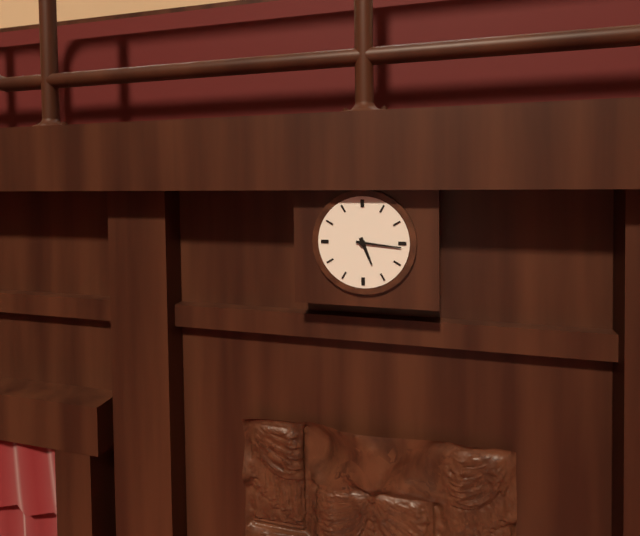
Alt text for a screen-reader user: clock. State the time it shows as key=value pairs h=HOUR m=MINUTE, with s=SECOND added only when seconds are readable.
h=5 m=16
